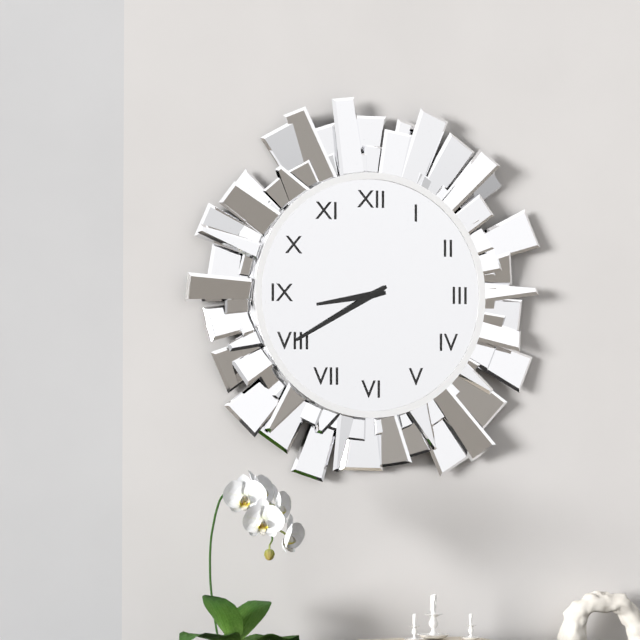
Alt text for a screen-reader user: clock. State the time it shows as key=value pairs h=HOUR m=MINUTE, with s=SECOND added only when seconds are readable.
h=8 m=40
